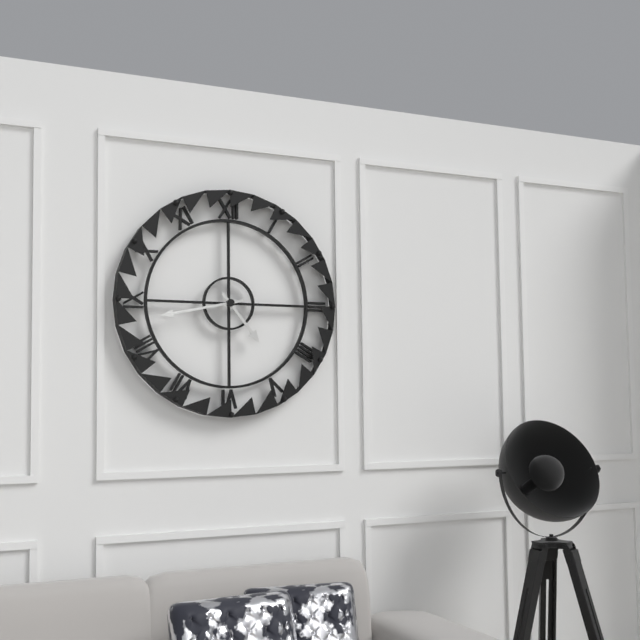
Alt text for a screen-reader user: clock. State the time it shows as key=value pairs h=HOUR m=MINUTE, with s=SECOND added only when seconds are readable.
h=4 m=43
